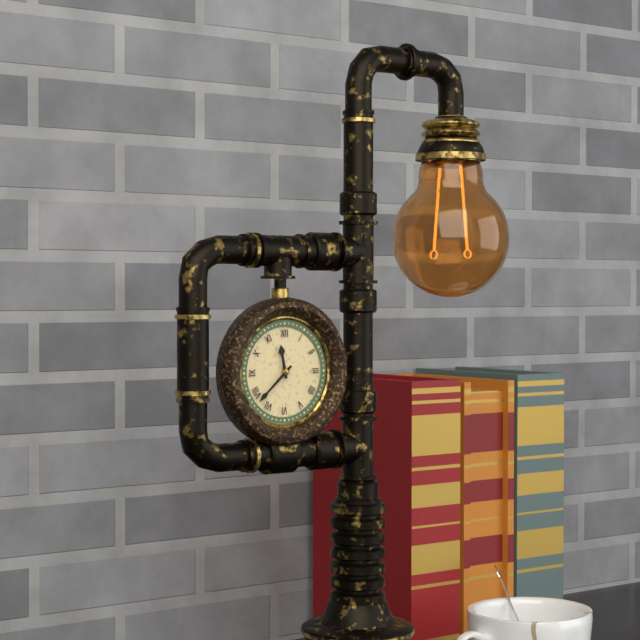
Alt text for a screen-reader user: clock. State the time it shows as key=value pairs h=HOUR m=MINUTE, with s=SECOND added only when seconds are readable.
h=11 m=38
